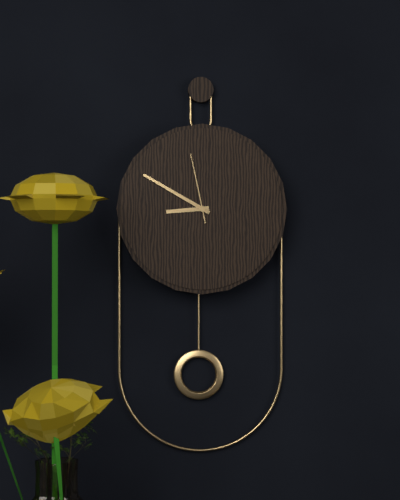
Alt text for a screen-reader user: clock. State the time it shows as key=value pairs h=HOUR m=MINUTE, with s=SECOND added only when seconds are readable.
h=8 m=50 s=58
